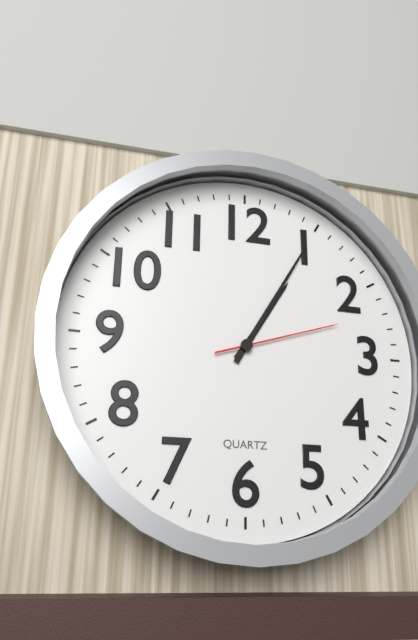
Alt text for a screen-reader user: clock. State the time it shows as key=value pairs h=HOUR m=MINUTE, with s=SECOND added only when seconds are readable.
h=1 m=5 s=12
